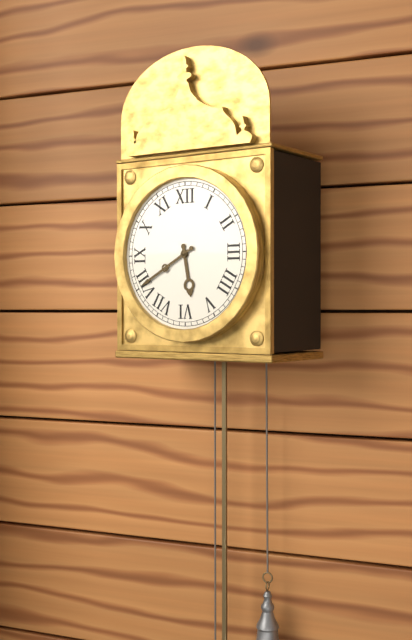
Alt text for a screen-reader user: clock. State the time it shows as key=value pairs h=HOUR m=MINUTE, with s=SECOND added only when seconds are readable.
h=5 m=40
